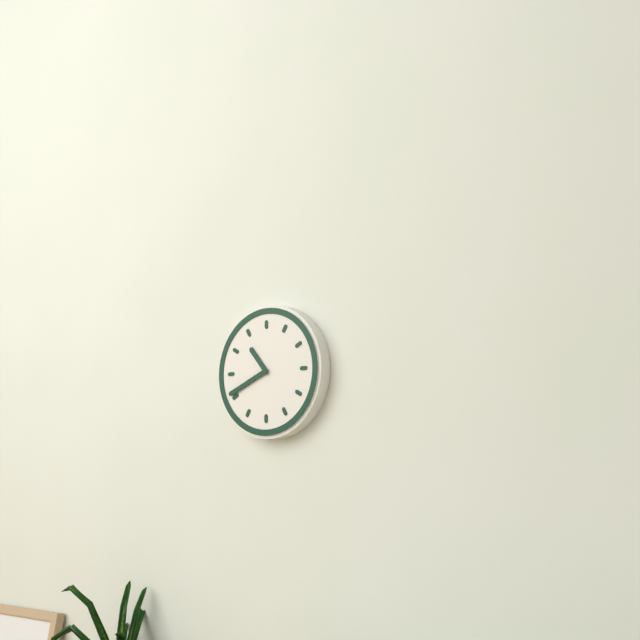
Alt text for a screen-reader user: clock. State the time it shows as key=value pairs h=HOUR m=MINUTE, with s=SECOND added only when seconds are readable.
h=10 m=41
